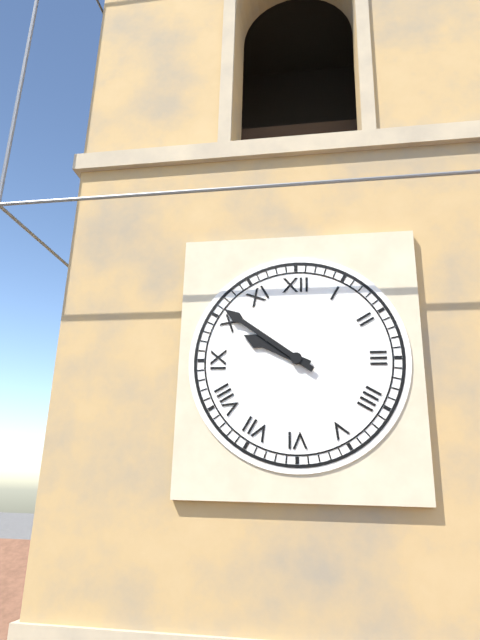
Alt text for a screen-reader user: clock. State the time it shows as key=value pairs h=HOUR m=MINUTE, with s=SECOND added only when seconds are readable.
h=9 m=51
